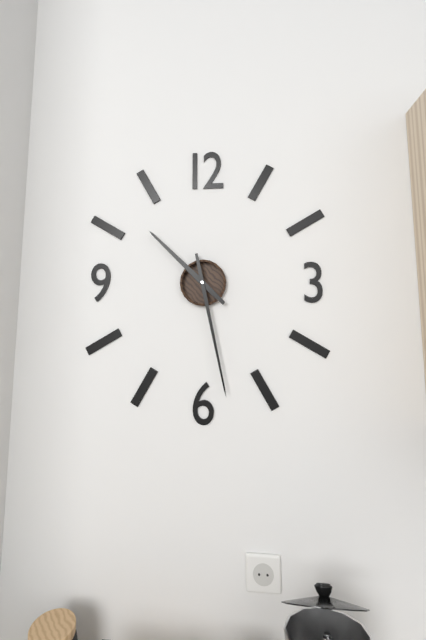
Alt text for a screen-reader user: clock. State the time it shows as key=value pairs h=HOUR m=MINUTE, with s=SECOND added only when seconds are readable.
h=10 m=28
